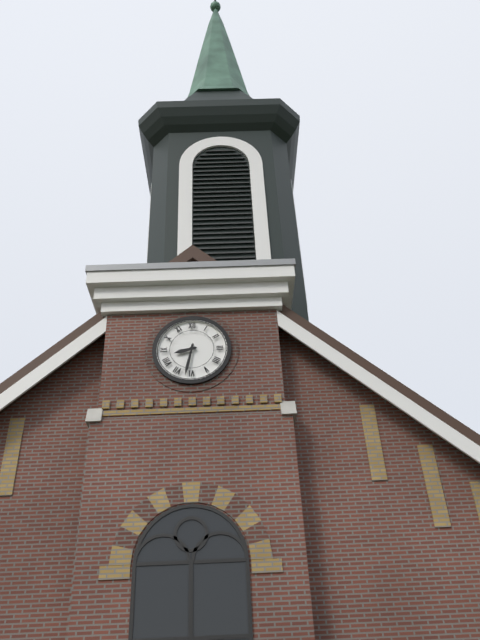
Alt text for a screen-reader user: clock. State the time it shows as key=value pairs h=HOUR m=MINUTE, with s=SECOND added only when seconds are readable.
h=8 m=32
